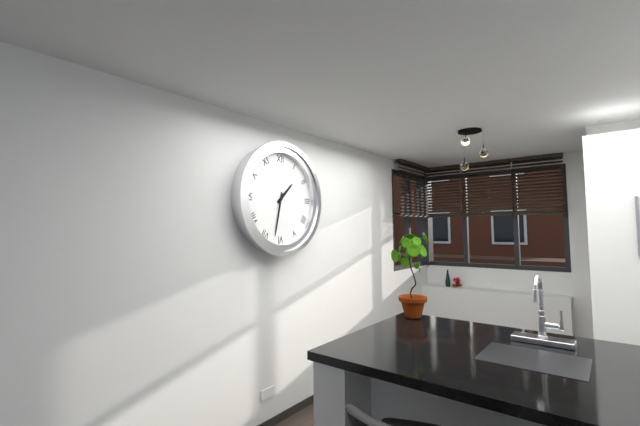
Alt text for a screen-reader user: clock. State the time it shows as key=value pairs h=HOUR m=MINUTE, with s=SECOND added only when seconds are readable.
h=1 m=32
